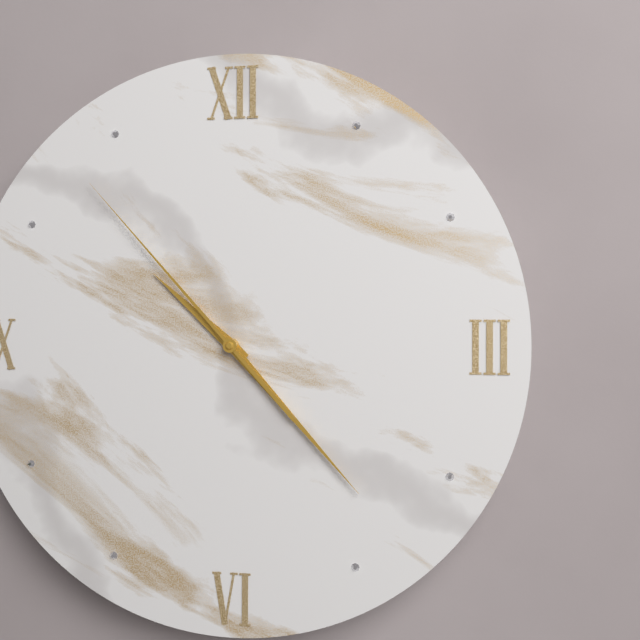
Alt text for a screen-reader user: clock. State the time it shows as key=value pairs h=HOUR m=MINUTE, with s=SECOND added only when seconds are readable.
h=10 m=23 s=53
